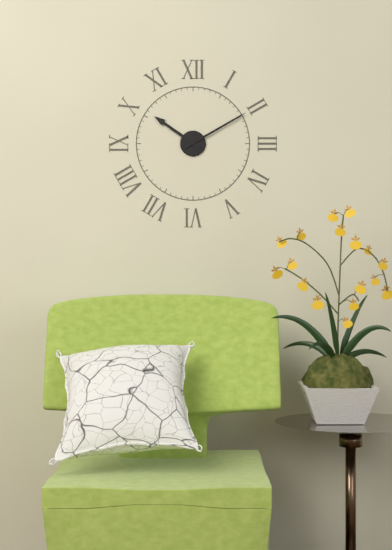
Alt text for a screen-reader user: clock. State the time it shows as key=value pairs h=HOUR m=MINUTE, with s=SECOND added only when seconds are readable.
h=10 m=10
